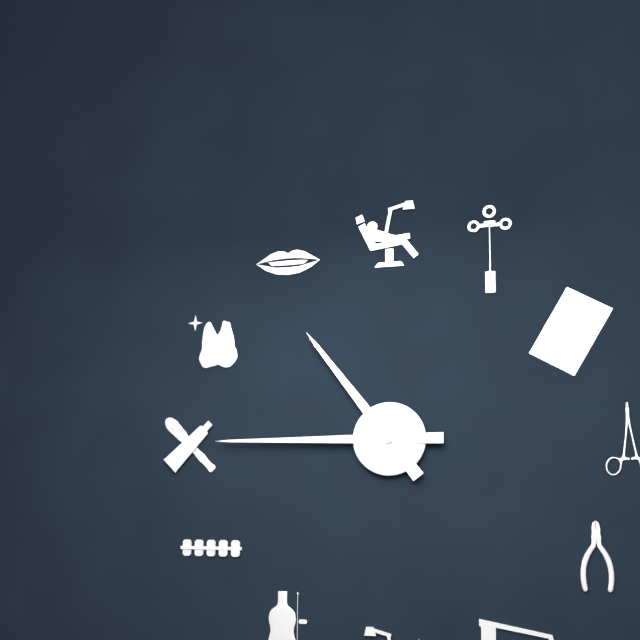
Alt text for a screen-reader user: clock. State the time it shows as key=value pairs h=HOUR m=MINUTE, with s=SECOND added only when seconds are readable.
h=10 m=45
